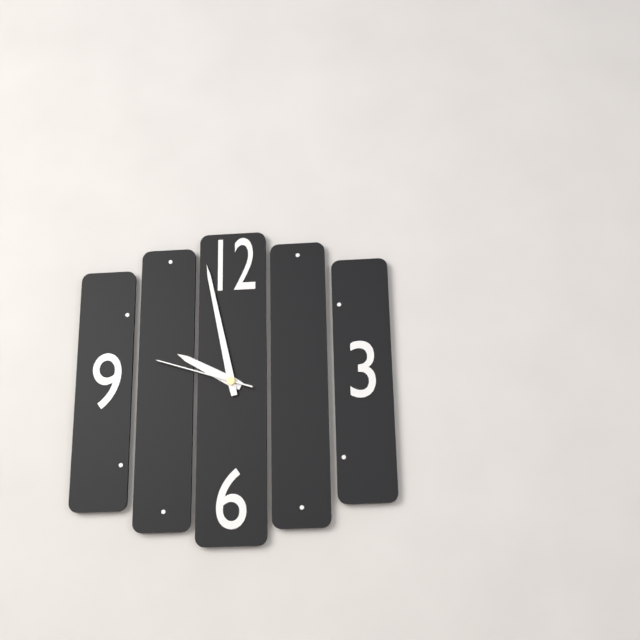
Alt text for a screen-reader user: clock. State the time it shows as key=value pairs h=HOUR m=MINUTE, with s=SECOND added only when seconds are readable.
h=9 m=58 s=48
